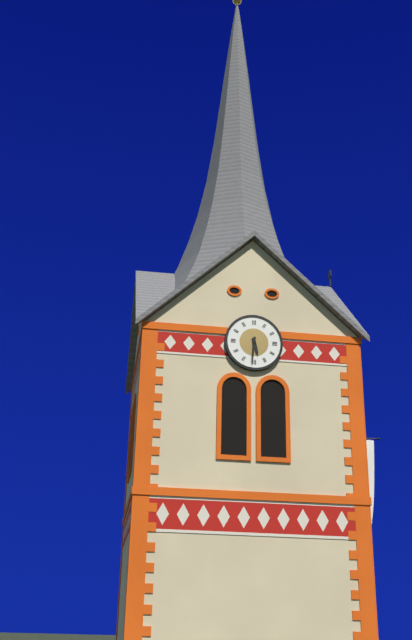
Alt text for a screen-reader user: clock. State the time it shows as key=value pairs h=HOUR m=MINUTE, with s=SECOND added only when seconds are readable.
h=5 m=31
